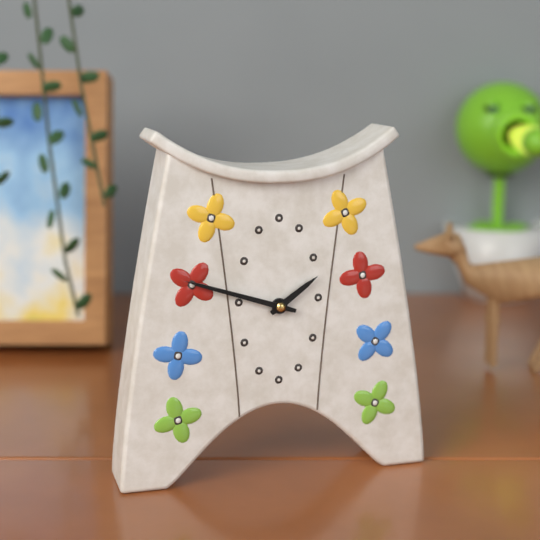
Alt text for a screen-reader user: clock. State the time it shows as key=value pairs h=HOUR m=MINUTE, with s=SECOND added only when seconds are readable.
h=1 m=48
